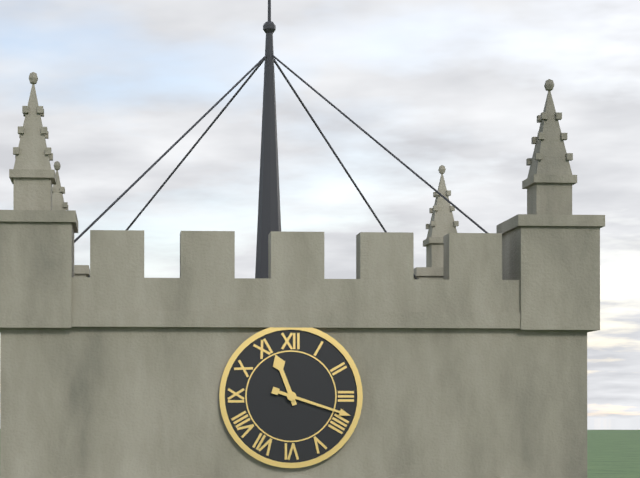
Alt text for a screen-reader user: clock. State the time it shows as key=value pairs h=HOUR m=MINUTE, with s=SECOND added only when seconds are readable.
h=11 m=18
